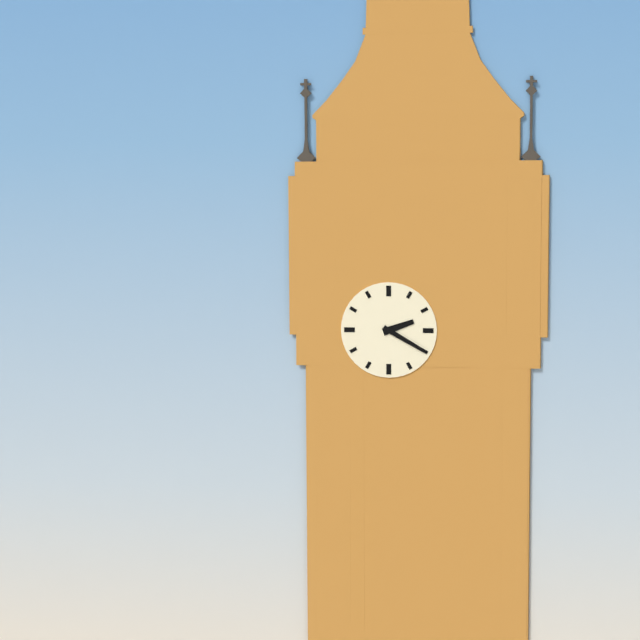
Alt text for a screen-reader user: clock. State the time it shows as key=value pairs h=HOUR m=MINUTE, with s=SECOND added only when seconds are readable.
h=2 m=20
